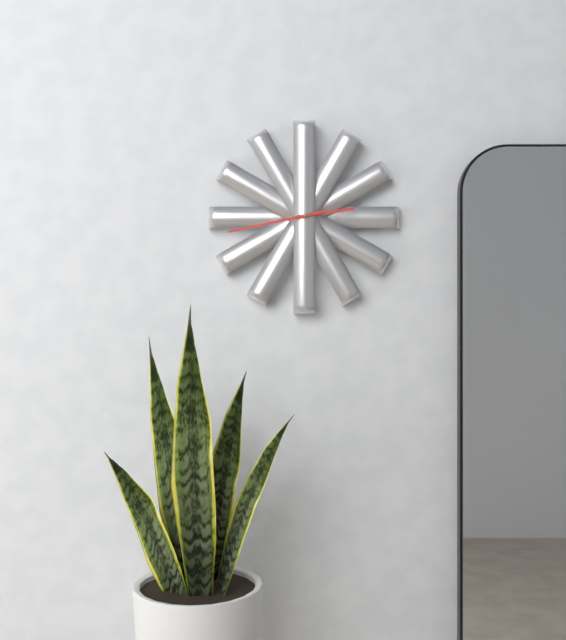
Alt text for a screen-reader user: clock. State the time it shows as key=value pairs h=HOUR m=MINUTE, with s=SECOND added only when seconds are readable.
h=2 m=43
